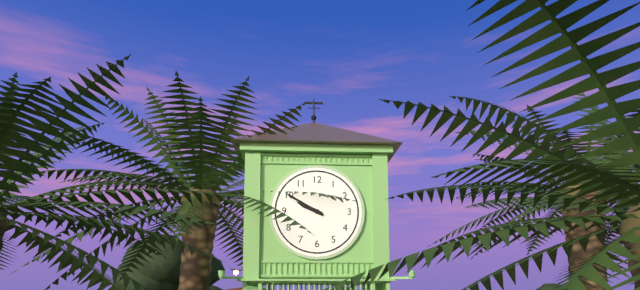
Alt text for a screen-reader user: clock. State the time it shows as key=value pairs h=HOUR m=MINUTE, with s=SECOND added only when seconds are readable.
h=9 m=50
